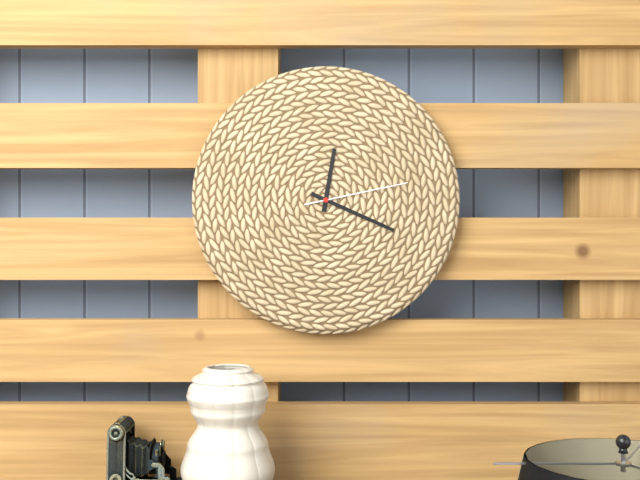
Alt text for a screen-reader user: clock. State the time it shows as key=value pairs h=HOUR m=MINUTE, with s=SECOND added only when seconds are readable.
h=12 m=19 s=13
